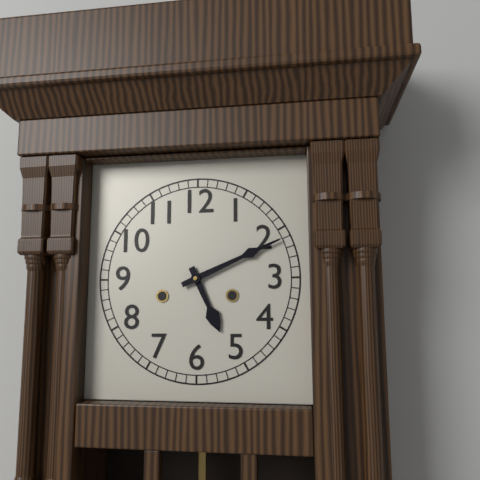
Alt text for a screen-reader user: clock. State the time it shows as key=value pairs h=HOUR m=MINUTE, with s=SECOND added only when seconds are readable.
h=5 m=11
